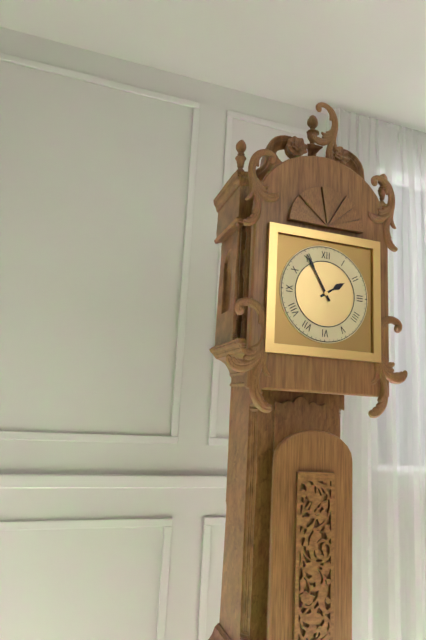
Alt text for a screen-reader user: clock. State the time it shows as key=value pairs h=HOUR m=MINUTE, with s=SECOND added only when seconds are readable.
h=1 m=55
